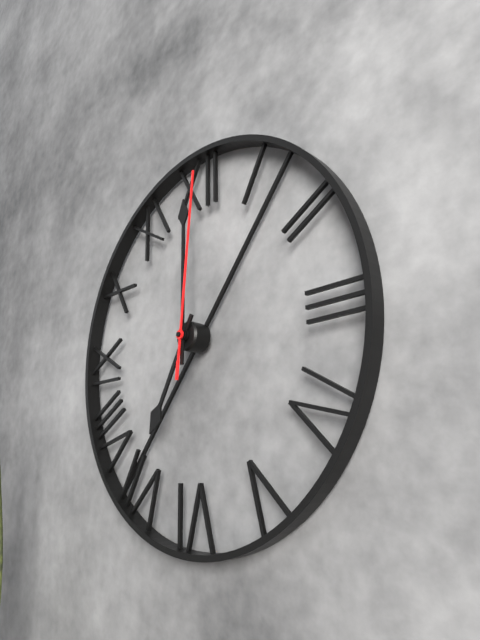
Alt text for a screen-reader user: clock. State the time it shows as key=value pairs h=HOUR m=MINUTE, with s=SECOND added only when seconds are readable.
h=7 m=0 s=1
